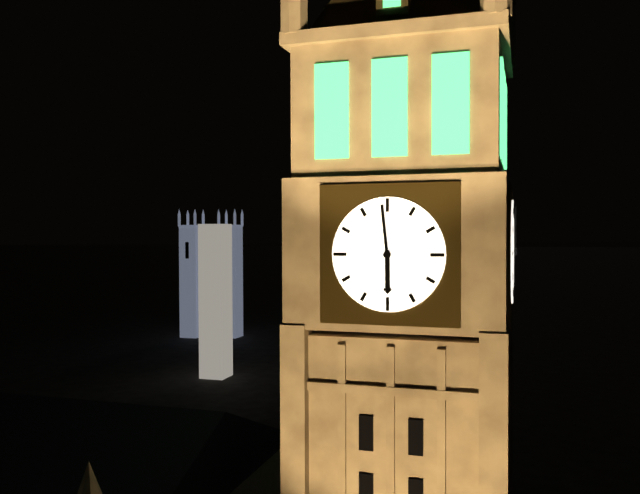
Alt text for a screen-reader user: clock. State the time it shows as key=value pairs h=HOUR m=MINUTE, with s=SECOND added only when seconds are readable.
h=5 m=59
